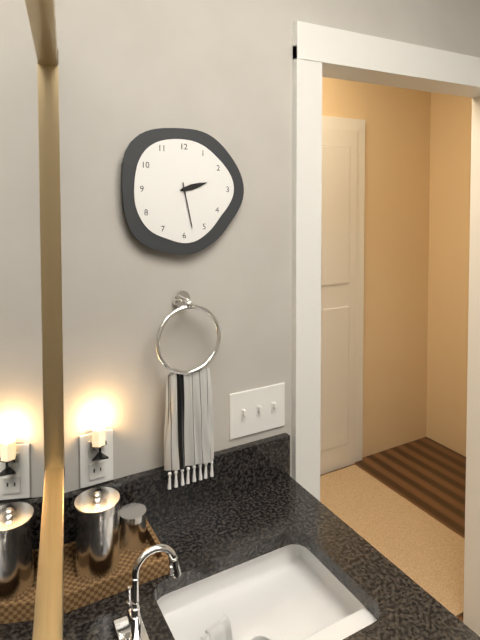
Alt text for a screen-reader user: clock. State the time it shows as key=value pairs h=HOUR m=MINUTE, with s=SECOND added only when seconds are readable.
h=2 m=28
